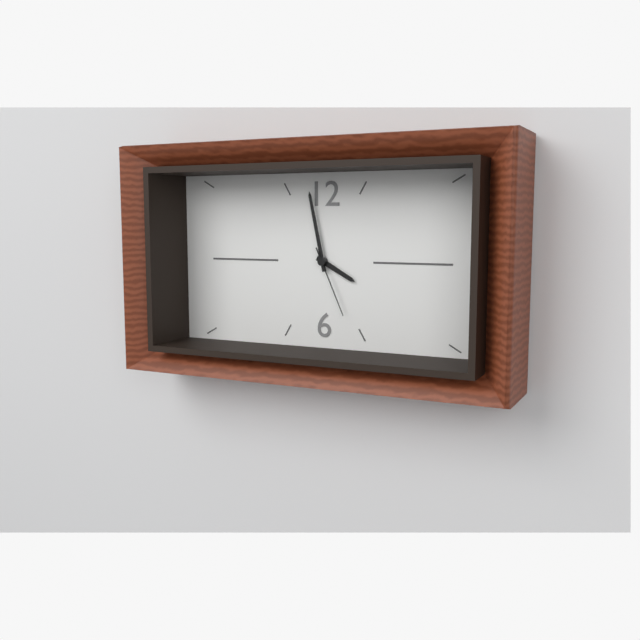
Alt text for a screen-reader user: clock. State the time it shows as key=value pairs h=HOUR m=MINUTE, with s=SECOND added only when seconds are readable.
h=3 m=58 s=26
